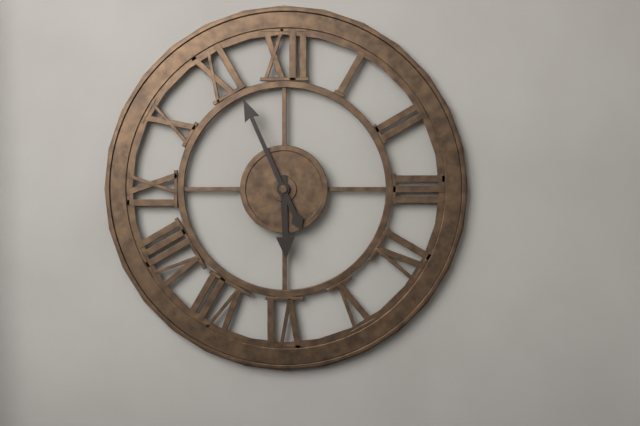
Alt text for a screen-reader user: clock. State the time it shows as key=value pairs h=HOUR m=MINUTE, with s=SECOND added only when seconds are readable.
h=5 m=56
